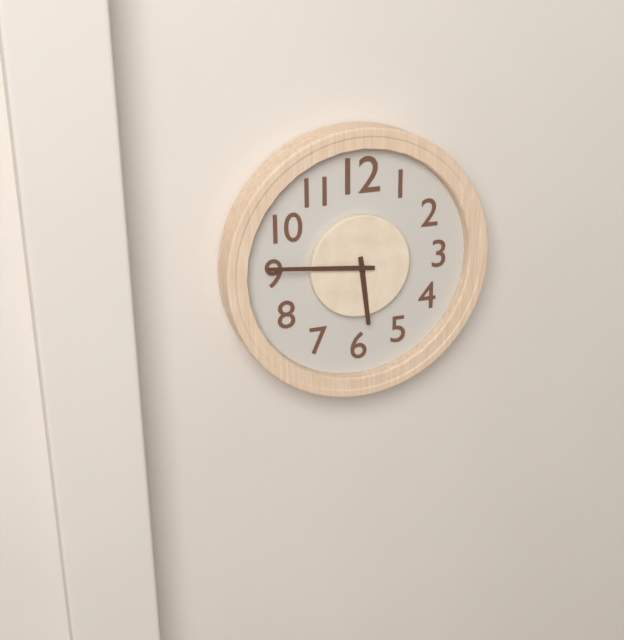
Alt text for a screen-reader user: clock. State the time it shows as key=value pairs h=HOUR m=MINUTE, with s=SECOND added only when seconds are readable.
h=5 m=46
